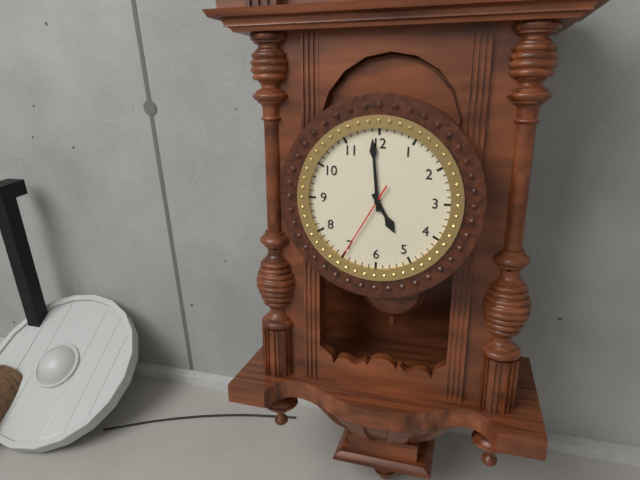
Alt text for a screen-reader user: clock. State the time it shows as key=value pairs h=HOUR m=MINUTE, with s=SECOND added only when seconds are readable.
h=4 m=59 s=35
